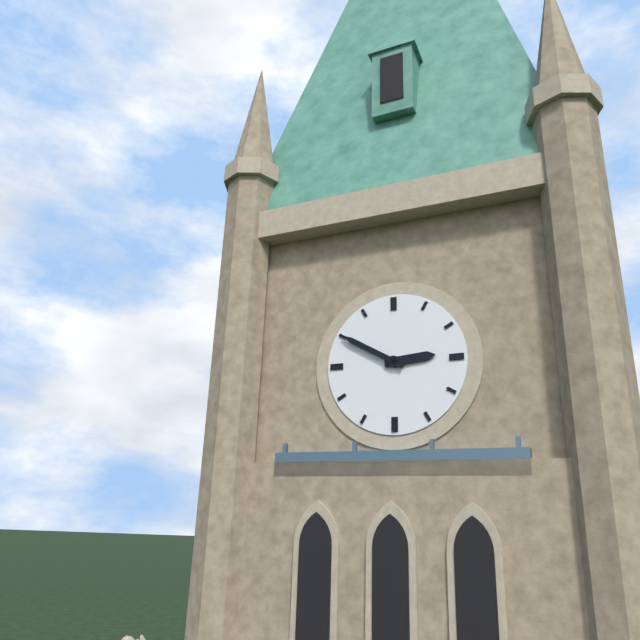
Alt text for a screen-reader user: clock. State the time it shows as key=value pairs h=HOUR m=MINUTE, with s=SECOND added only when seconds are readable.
h=2 m=50
